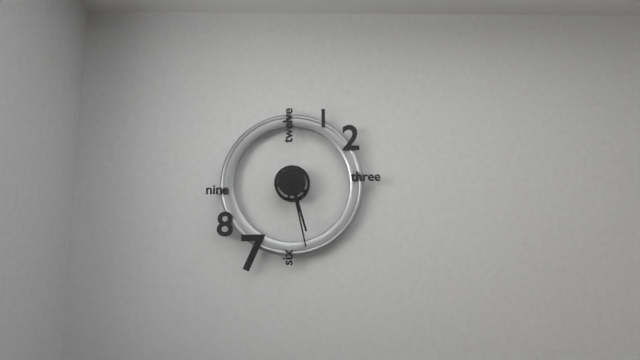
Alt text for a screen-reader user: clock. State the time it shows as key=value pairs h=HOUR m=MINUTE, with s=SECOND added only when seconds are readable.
h=5 m=28
